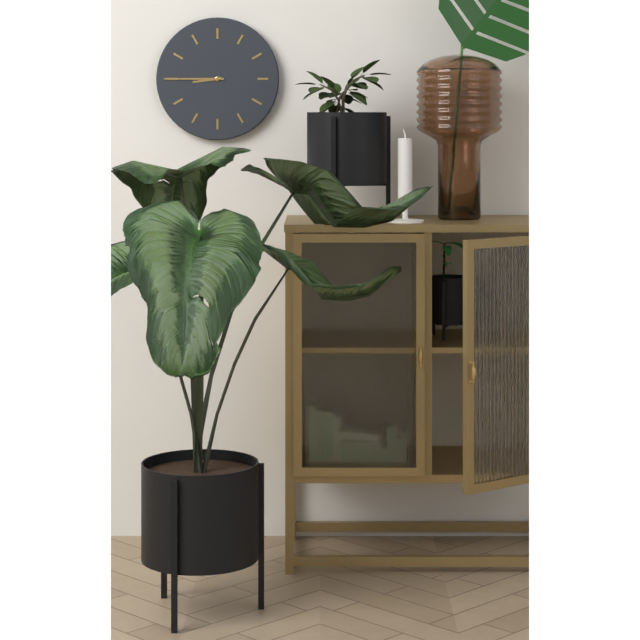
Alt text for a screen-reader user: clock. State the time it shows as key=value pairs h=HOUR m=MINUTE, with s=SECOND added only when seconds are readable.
h=8 m=45
